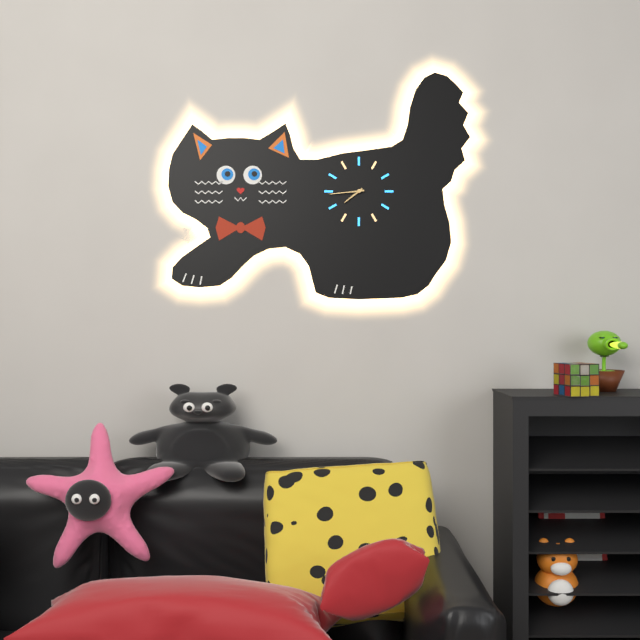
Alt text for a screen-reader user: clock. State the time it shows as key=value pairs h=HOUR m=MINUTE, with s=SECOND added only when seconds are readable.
h=7 m=44
